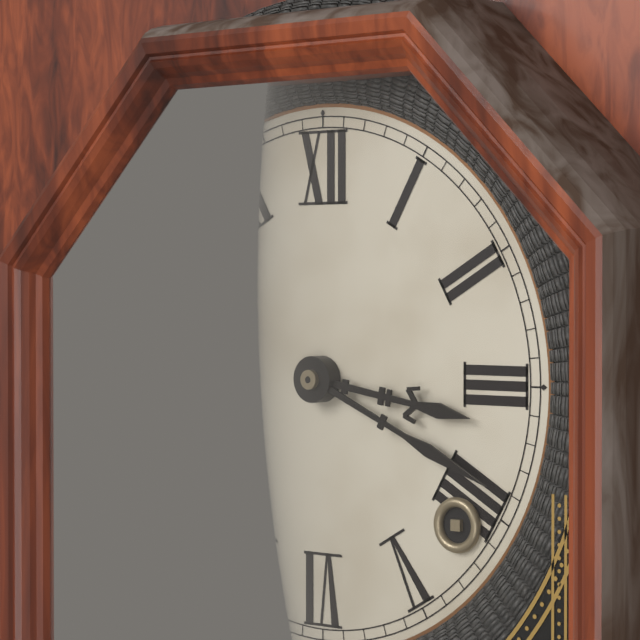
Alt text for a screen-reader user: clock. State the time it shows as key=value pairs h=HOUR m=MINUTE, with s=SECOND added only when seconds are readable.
h=3 m=19
